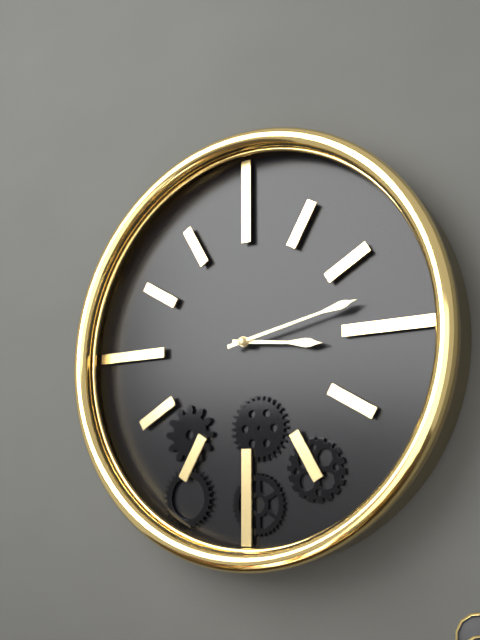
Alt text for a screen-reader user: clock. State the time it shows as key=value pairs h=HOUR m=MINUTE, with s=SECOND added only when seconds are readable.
h=3 m=13
